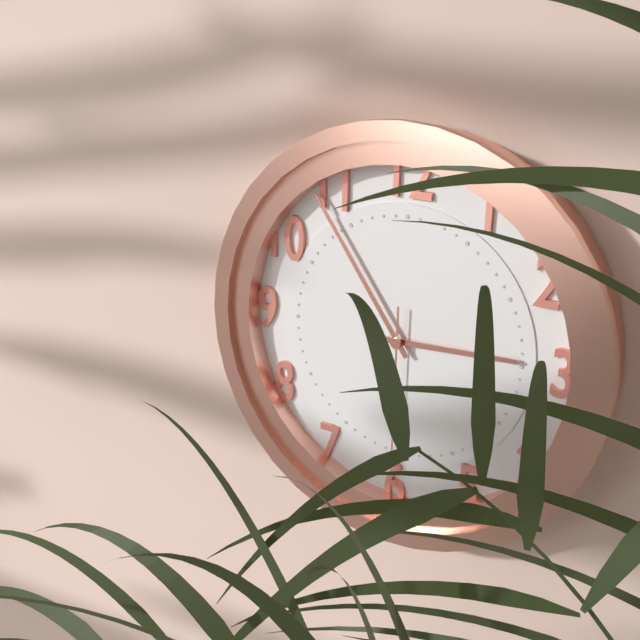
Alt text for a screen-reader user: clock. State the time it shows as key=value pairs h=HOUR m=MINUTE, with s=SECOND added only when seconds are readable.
h=2 m=54
